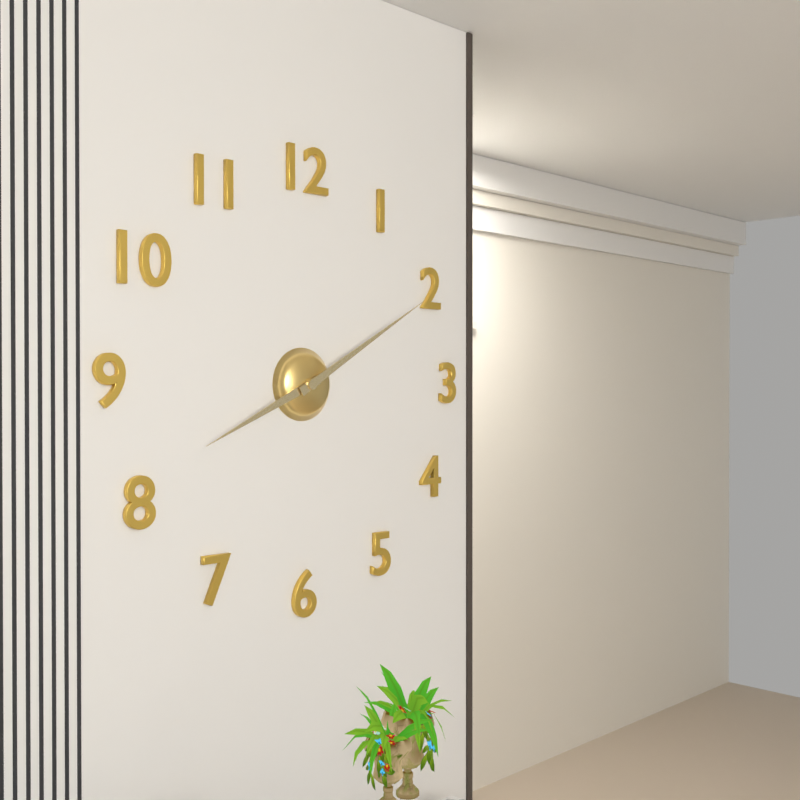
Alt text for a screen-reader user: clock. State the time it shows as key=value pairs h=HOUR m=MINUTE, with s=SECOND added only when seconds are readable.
h=8 m=10
